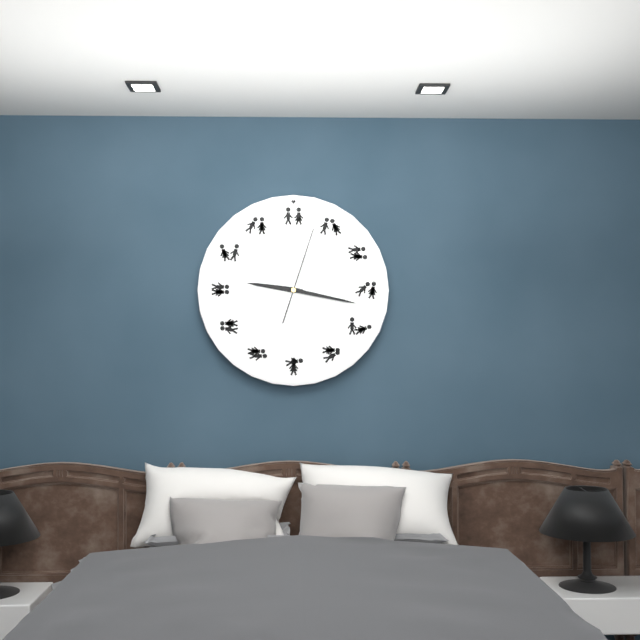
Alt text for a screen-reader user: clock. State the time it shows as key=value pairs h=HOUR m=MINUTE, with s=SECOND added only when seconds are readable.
h=9 m=17 s=3
